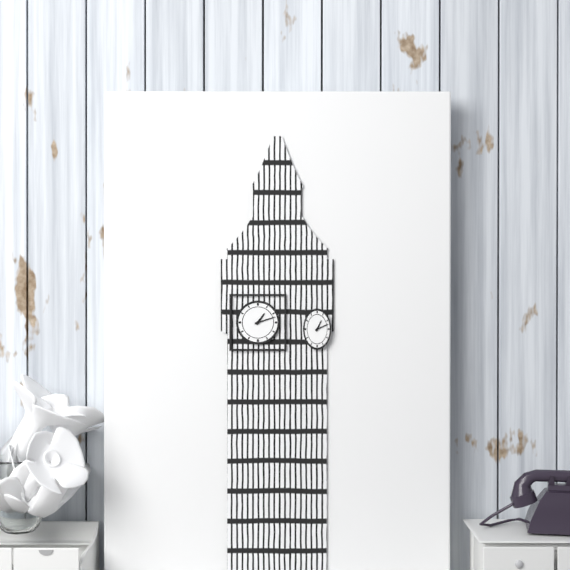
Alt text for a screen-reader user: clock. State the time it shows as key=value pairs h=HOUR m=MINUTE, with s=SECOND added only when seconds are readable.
h=1 m=12
